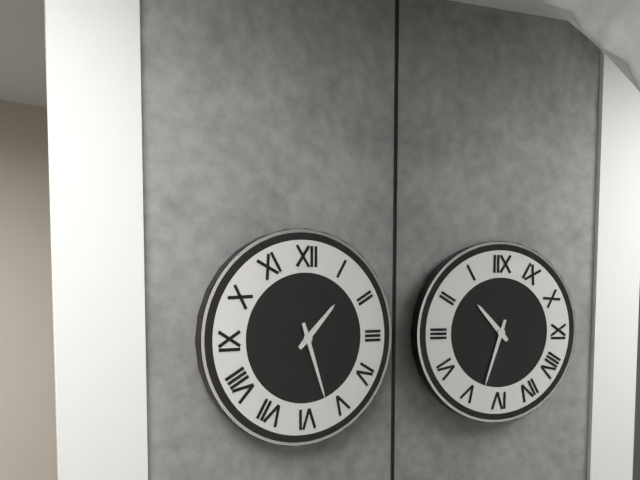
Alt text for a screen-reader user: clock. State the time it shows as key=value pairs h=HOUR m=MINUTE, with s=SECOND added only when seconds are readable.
h=1 m=27
